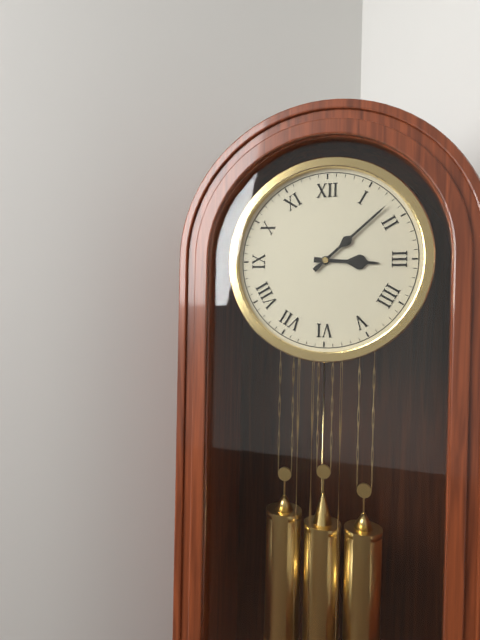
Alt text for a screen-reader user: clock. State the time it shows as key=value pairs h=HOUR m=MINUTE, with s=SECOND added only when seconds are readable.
h=3 m=8
